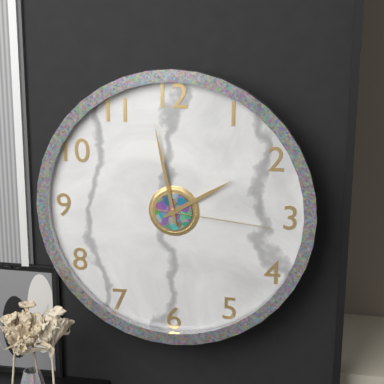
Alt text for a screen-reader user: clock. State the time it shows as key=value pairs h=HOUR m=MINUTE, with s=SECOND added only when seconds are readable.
h=1 m=58 s=16
